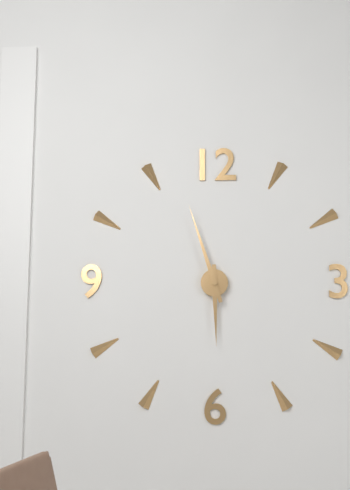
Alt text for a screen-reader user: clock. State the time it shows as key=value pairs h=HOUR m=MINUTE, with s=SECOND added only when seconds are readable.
h=5 m=57
